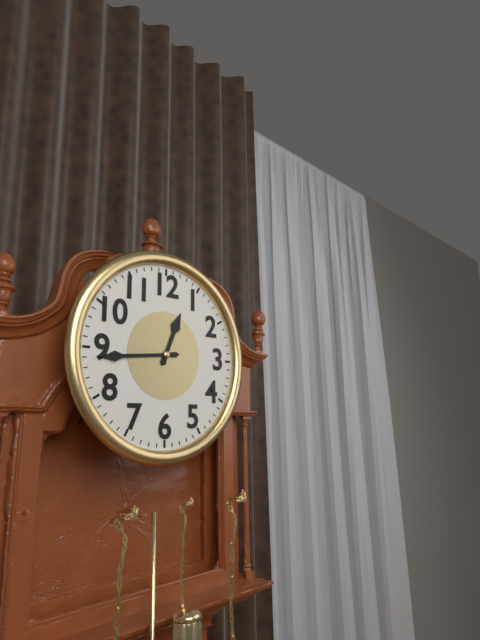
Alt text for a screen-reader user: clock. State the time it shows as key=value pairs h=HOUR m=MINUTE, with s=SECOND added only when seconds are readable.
h=12 m=44
